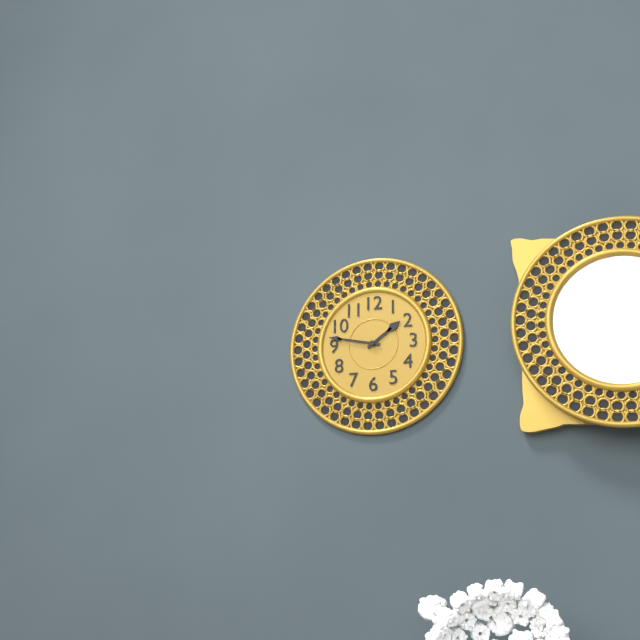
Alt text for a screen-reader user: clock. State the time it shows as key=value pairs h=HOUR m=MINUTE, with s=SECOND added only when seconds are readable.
h=1 m=47
